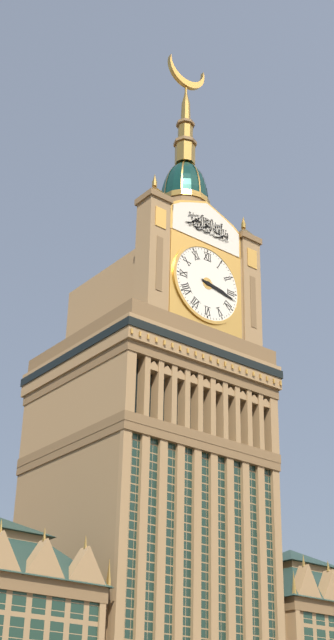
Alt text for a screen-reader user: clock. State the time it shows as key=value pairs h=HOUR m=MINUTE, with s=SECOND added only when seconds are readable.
h=3 m=17
